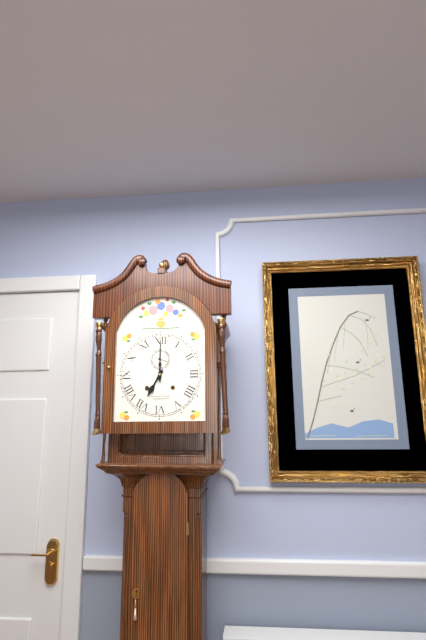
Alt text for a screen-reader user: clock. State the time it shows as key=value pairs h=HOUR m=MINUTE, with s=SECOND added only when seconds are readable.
h=7 m=0
